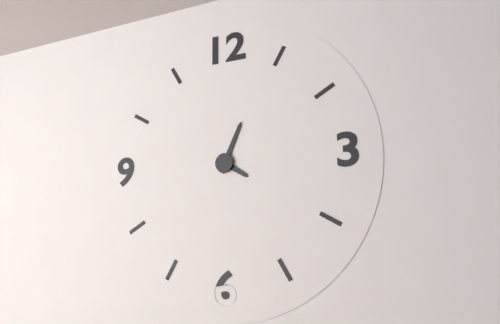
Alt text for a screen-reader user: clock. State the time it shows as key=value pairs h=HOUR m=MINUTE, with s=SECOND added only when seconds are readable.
h=4 m=4
